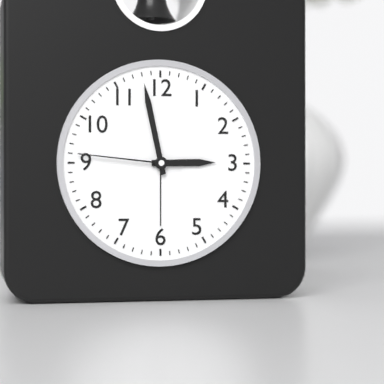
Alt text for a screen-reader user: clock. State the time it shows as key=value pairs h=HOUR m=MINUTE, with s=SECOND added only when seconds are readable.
h=2 m=58 s=46
